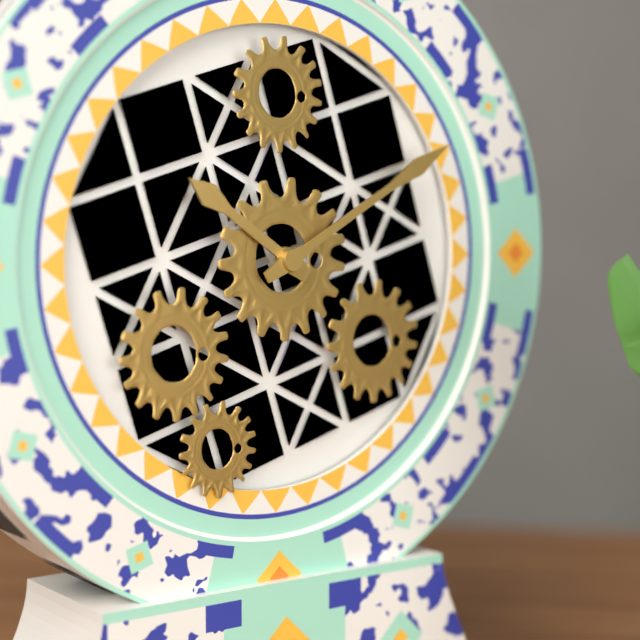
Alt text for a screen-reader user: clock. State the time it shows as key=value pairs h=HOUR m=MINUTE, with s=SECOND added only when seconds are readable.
h=10 m=10
